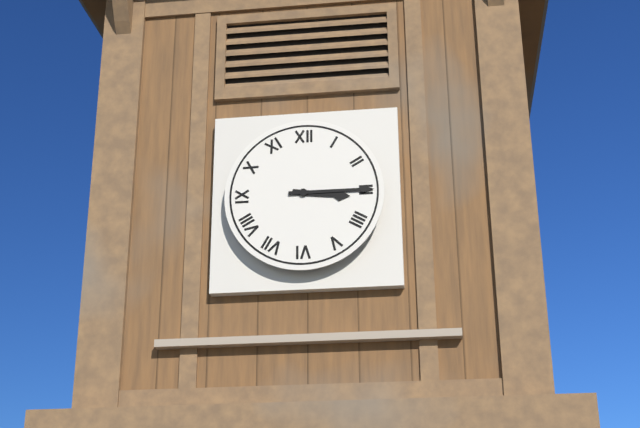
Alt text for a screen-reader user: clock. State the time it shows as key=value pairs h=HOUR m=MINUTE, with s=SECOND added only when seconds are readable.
h=3 m=15
